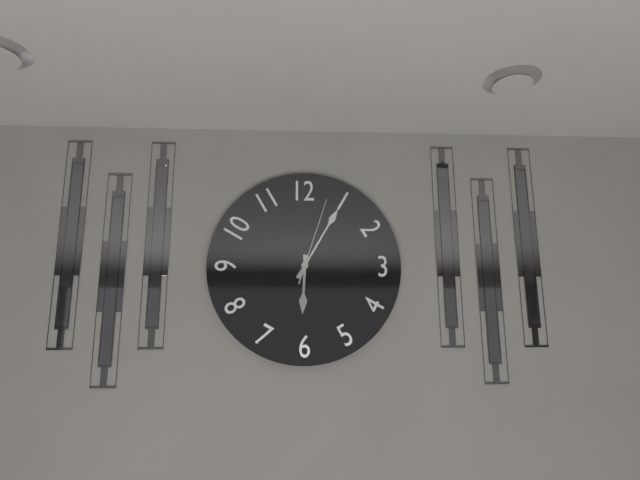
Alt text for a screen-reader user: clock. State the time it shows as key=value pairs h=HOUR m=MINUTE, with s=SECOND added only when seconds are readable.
h=6 m=5 s=3
